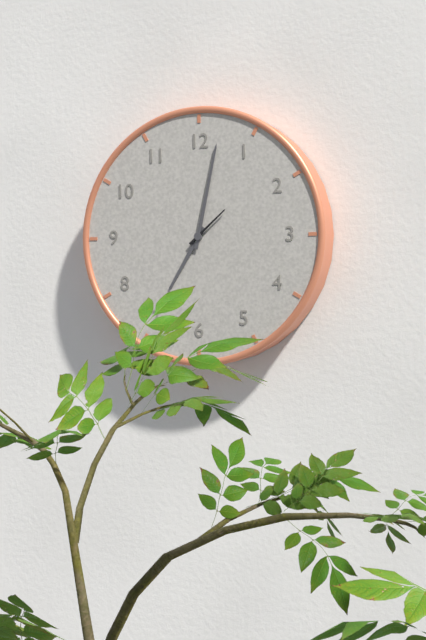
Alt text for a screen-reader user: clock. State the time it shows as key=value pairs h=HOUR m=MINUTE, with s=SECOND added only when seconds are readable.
h=7 m=2
